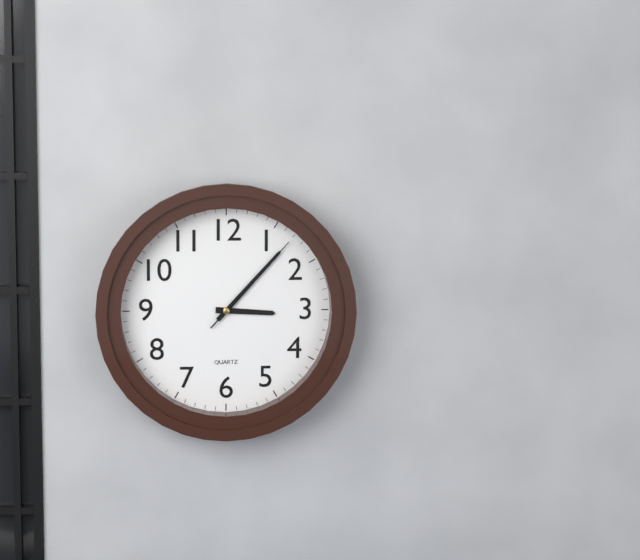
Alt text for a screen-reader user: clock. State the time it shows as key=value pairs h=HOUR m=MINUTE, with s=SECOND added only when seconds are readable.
h=3 m=7 s=7
